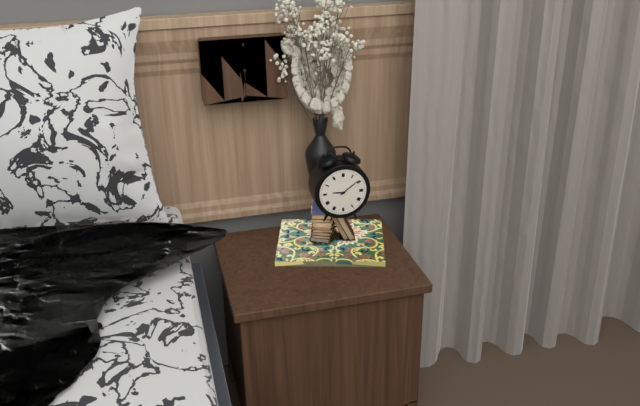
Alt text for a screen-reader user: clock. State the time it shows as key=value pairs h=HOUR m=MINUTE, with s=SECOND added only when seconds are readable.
h=9 m=9
